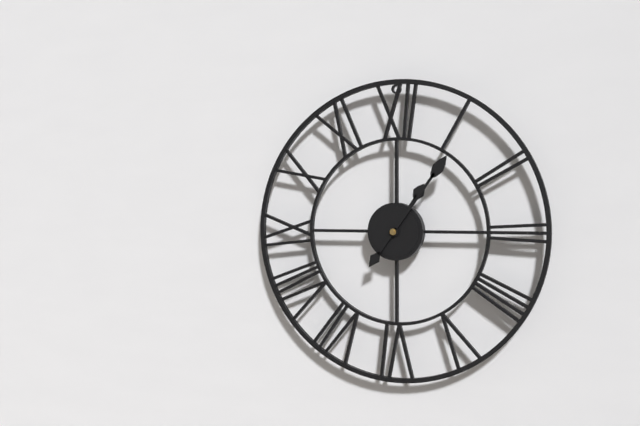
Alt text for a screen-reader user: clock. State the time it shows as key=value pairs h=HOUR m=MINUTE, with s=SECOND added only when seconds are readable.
h=1 m=6
